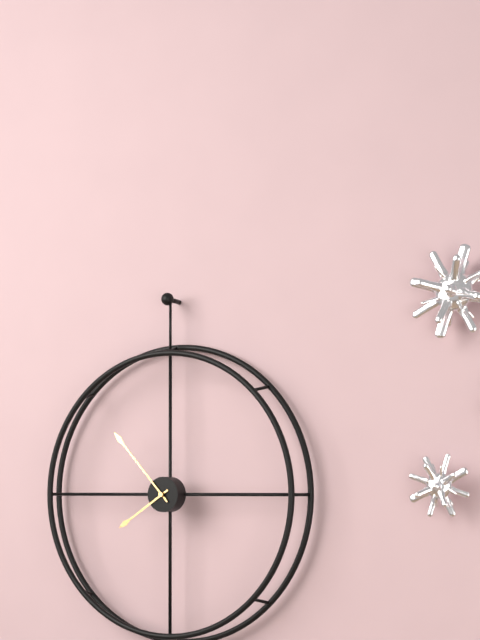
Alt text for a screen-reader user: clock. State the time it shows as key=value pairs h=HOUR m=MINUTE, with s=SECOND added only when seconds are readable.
h=7 m=53
